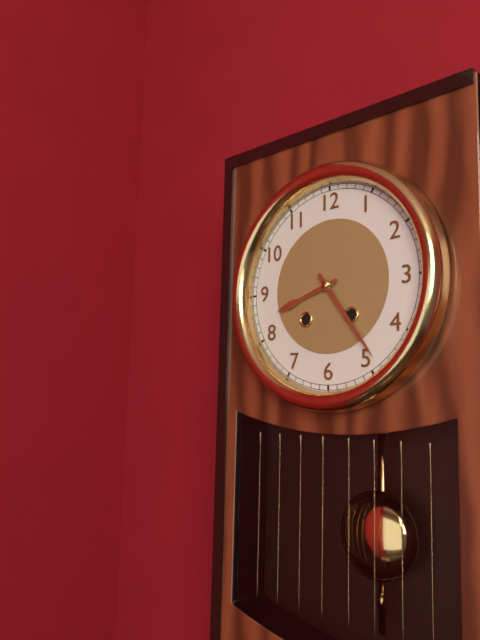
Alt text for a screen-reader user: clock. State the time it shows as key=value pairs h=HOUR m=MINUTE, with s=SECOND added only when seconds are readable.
h=8 m=24
